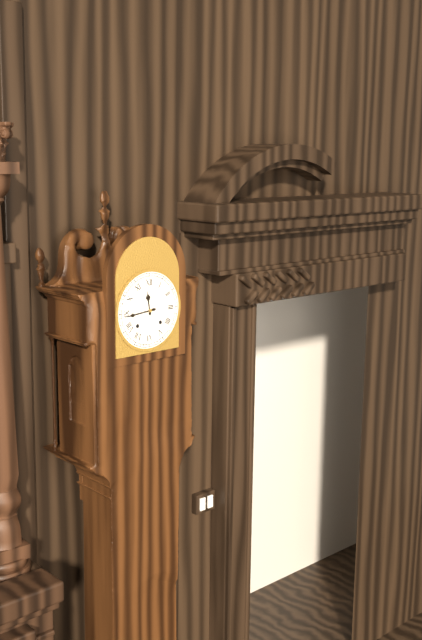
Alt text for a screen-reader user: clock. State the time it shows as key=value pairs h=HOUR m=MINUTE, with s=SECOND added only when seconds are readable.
h=11 m=44
